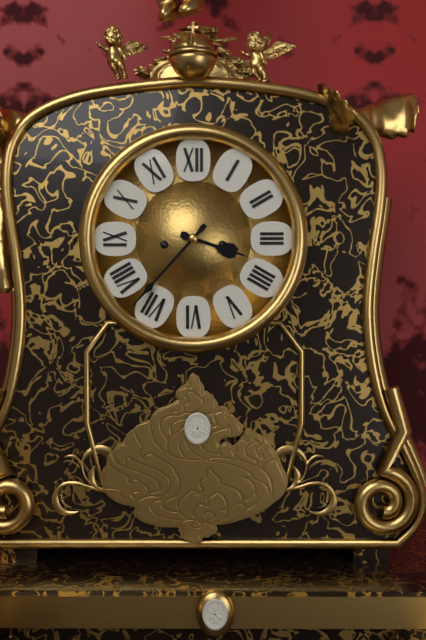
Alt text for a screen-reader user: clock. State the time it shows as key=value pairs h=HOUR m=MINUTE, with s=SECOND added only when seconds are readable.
h=3 m=37
